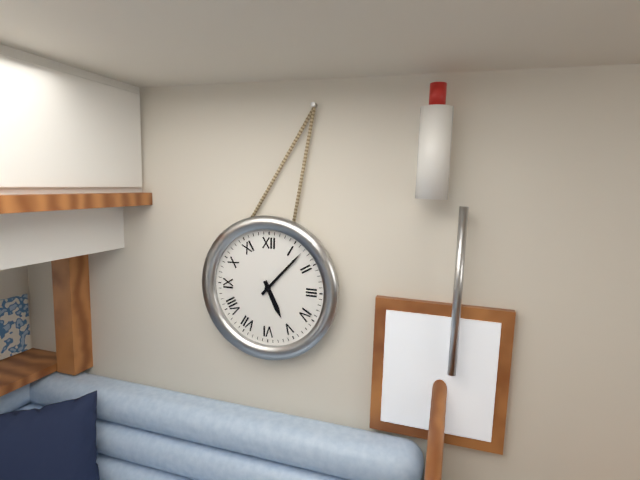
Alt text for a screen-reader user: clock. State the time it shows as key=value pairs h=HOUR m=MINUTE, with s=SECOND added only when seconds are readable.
h=5 m=7
